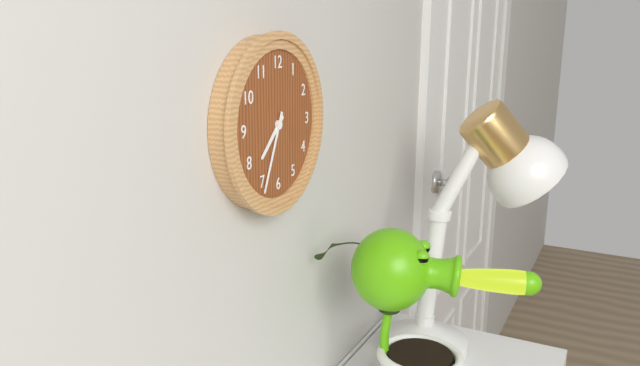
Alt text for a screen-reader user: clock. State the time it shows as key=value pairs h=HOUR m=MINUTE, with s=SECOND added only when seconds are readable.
h=7 m=34
